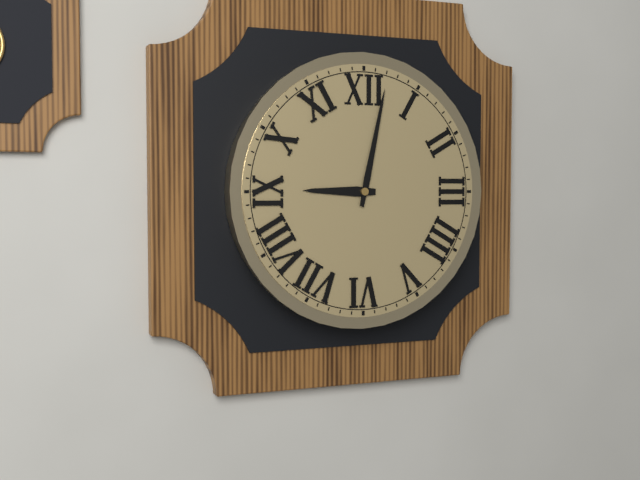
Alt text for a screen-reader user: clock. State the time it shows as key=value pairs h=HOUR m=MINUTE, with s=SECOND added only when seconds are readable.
h=9 m=2
